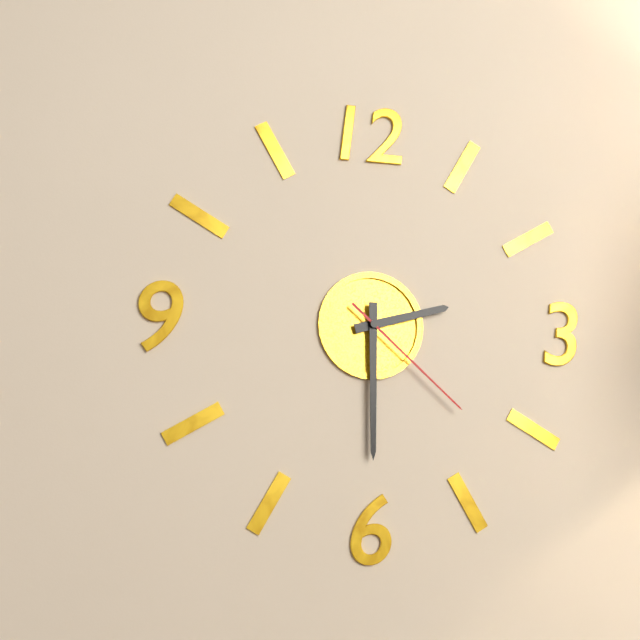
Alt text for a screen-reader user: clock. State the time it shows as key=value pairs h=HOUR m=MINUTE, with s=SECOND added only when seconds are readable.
h=2 m=30 s=22
